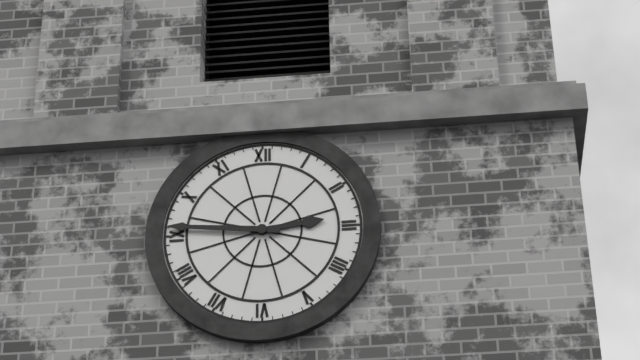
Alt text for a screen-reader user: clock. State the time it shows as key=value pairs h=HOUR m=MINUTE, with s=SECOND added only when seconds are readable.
h=2 m=46
